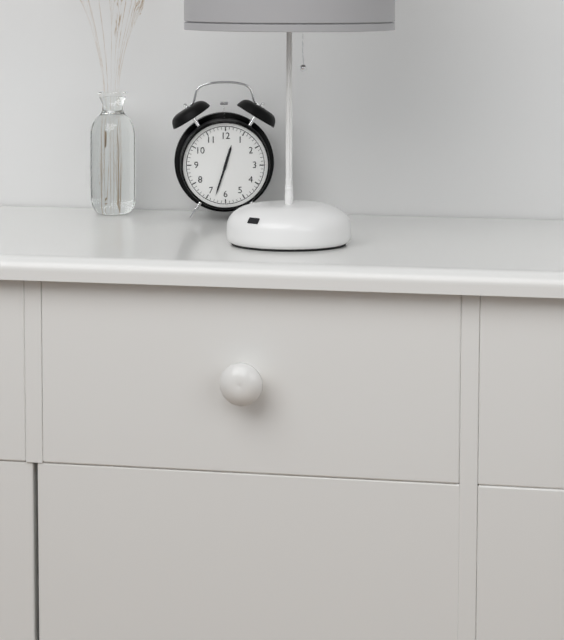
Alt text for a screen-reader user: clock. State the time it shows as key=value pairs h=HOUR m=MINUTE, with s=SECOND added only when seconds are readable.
h=12 m=33
